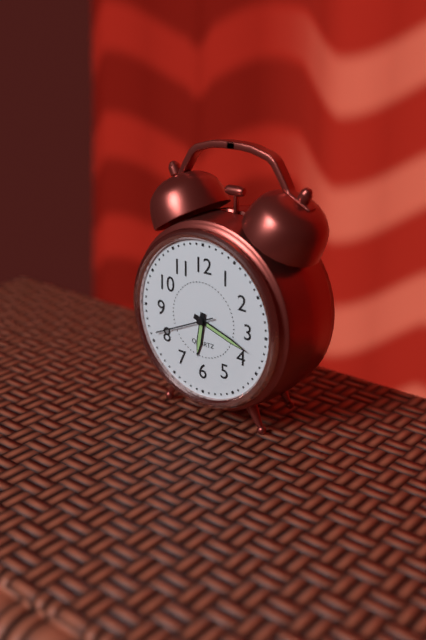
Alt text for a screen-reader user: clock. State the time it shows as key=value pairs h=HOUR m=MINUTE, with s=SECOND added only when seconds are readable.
h=6 m=18 s=41
